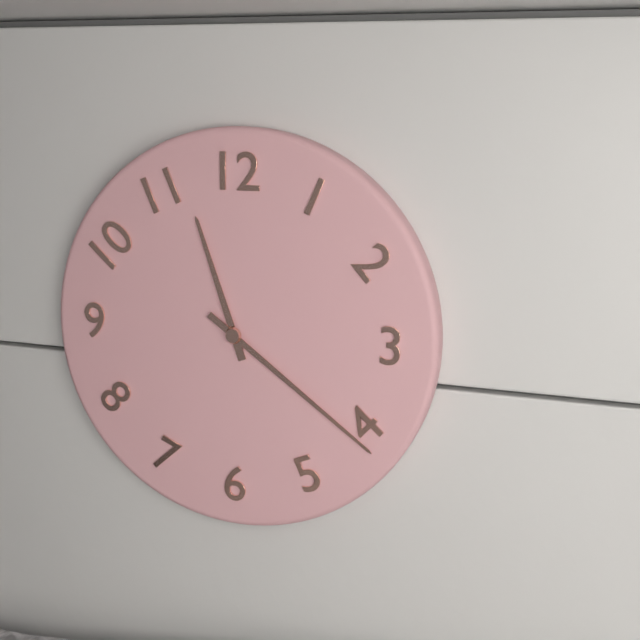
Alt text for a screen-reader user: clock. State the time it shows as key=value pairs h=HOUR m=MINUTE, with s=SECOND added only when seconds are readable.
h=11 m=21
